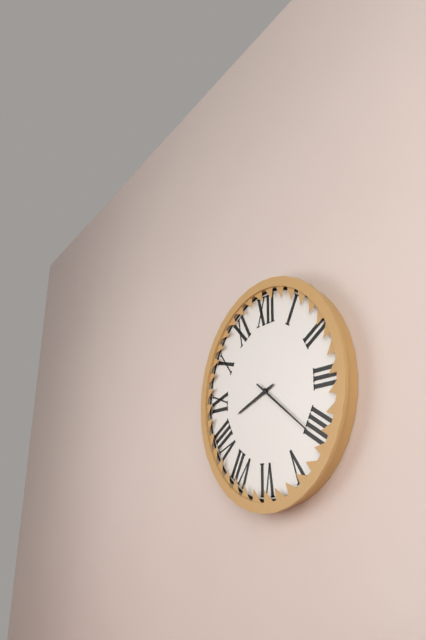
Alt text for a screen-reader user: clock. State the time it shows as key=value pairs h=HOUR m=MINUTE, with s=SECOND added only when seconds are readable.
h=8 m=21
